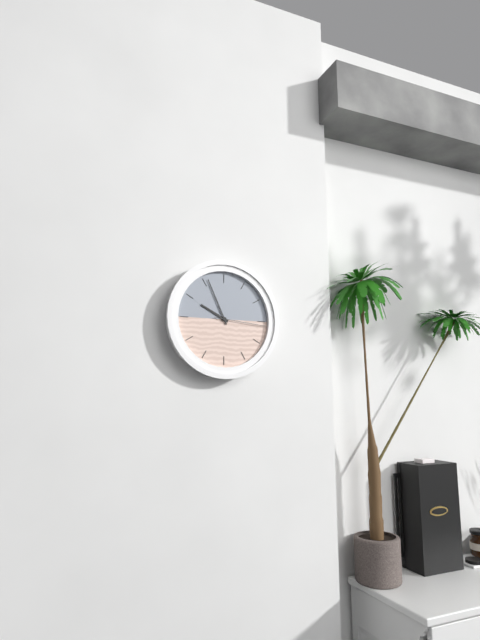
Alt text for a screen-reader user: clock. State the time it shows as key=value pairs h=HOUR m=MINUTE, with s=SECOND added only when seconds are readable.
h=9 m=56 s=16
